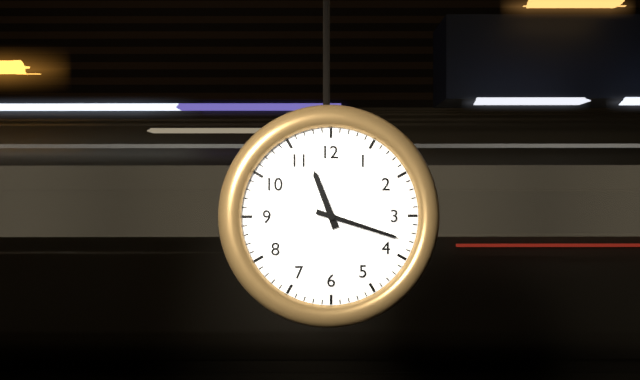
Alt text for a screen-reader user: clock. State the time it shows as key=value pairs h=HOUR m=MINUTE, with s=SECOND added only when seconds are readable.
h=11 m=18
